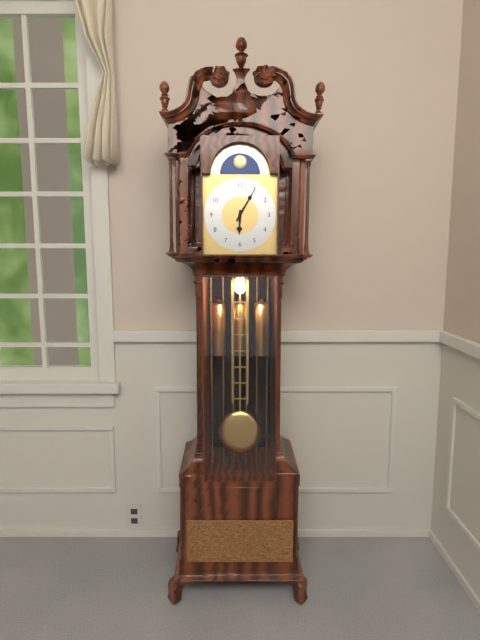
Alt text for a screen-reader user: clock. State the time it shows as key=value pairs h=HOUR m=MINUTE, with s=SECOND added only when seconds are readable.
h=6 m=5
